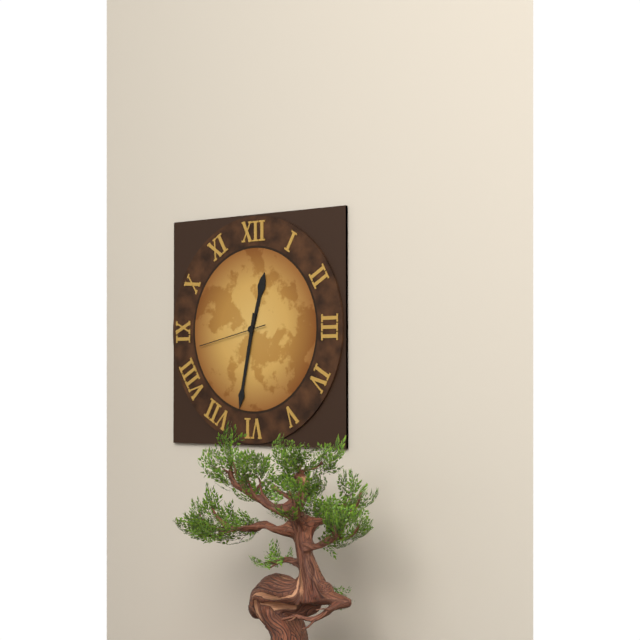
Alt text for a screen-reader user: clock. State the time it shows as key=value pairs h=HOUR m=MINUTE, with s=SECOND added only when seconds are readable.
h=12 m=32 s=43
